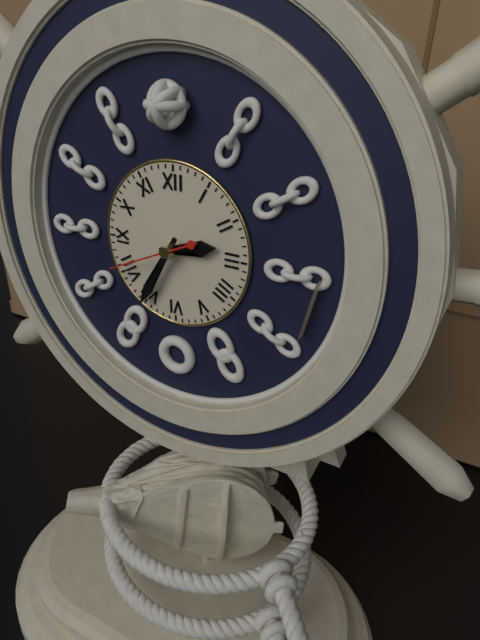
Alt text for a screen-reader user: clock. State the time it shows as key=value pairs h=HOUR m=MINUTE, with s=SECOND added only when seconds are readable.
h=2 m=35 s=41
